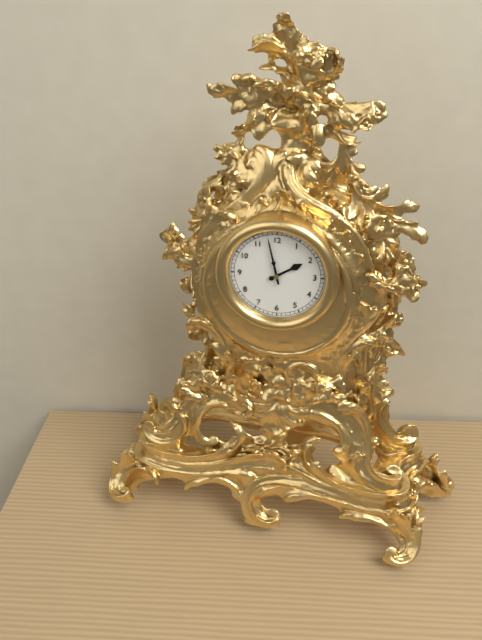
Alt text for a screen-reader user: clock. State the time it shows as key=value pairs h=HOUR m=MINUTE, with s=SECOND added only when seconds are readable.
h=1 m=58
